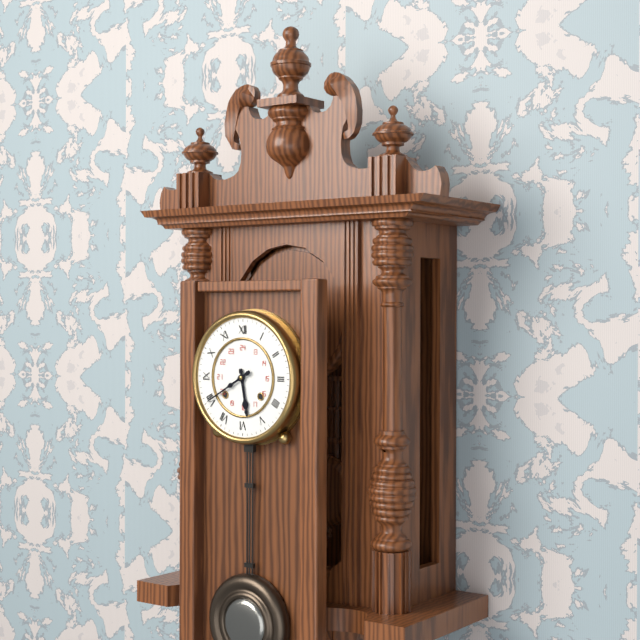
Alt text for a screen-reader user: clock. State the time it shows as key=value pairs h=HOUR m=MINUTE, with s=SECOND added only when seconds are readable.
h=5 m=40
